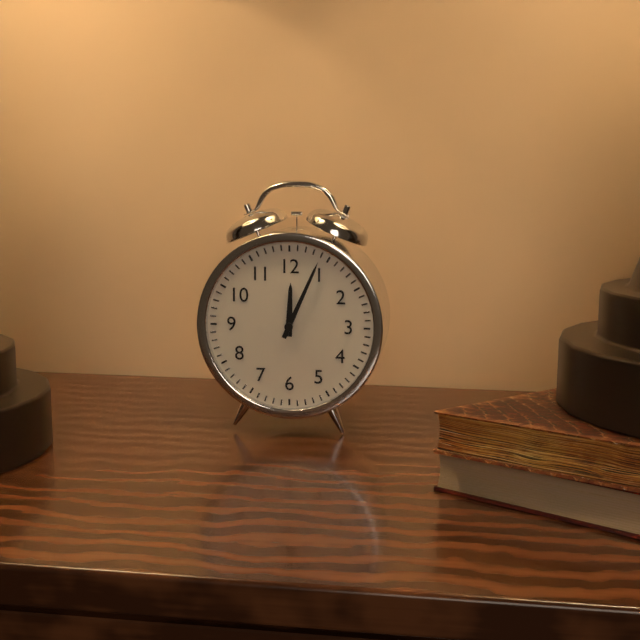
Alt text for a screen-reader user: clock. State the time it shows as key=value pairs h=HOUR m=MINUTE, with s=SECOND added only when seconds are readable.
h=12 m=4
